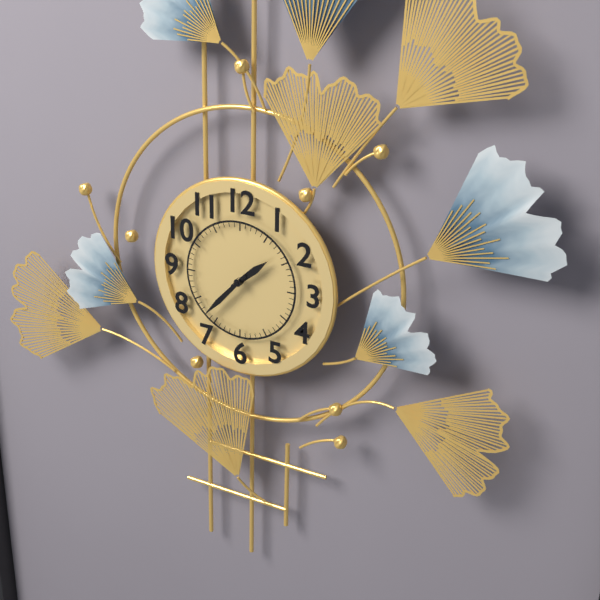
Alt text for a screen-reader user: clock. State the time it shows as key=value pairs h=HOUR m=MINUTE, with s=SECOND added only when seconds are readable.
h=1 m=37
